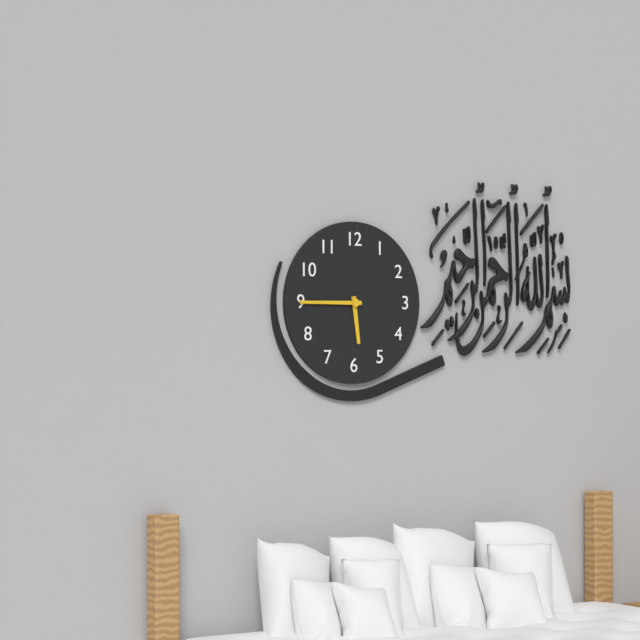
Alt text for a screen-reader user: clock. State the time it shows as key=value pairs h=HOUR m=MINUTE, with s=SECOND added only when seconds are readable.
h=5 m=45
